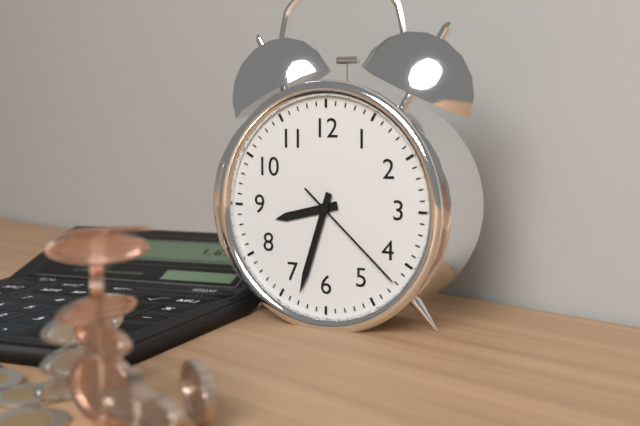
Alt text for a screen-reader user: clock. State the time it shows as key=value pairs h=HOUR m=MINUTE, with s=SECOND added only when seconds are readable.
h=8 m=33 s=22
